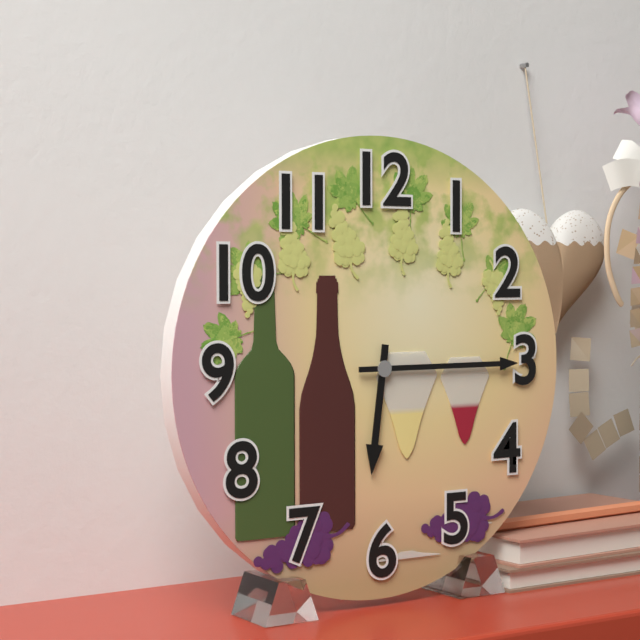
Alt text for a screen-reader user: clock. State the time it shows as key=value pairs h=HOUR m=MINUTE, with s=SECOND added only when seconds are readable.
h=6 m=15
